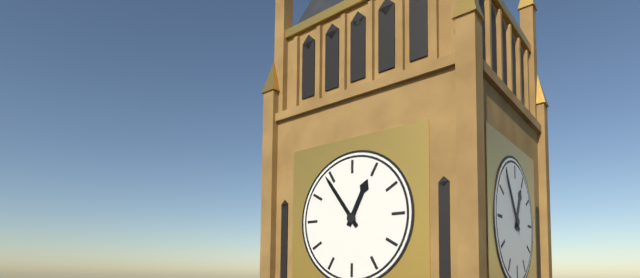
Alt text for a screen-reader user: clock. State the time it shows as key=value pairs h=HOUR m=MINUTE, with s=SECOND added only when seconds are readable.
h=12 m=54
